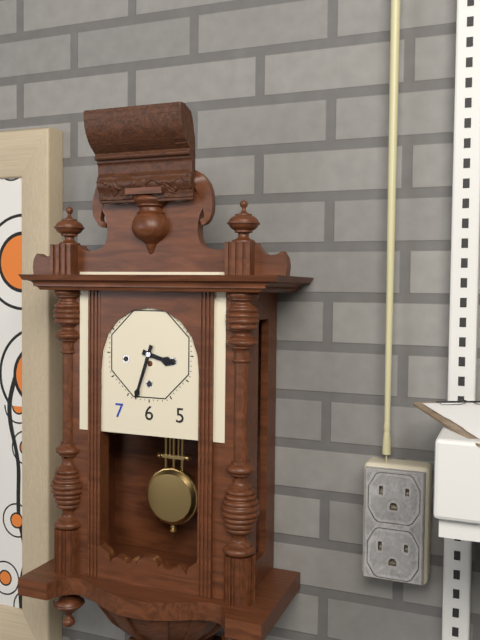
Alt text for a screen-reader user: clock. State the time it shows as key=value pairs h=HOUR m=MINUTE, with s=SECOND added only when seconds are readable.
h=3 m=33
